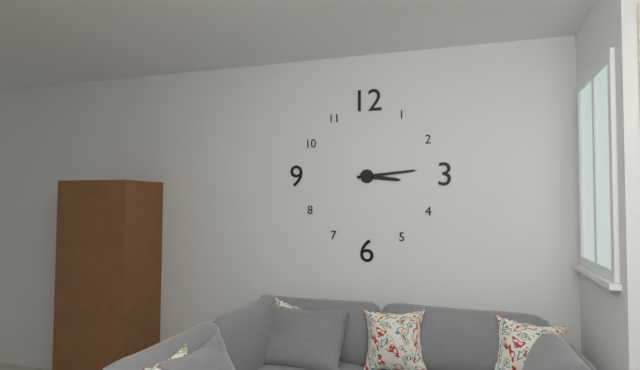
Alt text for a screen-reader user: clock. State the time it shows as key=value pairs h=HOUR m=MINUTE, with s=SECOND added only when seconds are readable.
h=3 m=14
